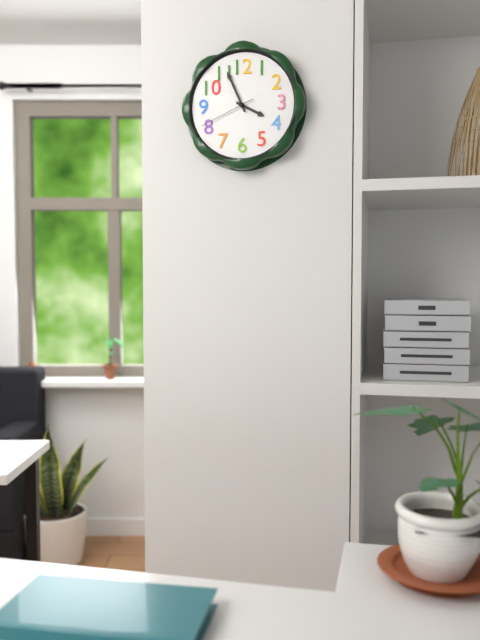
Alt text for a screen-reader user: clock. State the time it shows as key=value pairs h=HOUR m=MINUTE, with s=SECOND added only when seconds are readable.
h=3 m=56 s=41
